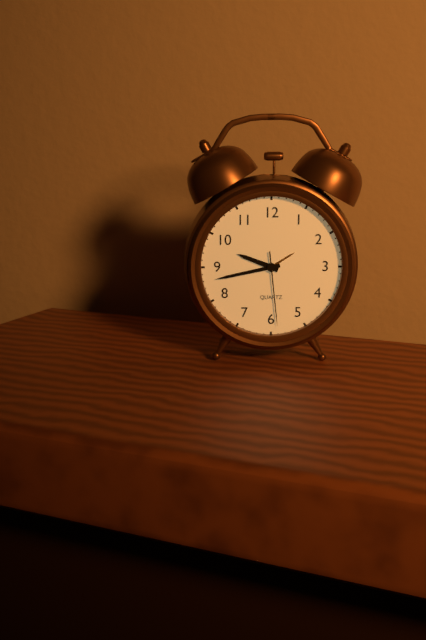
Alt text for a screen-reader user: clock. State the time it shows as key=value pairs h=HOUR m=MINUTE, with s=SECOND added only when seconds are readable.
h=9 m=43 s=29
